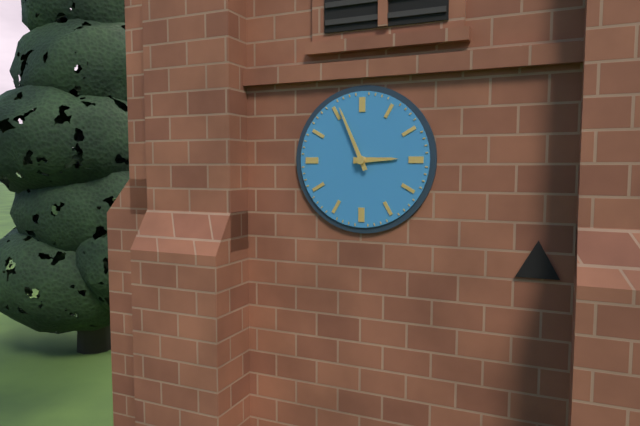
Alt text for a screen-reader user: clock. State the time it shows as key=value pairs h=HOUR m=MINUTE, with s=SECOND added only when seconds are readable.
h=2 m=56
